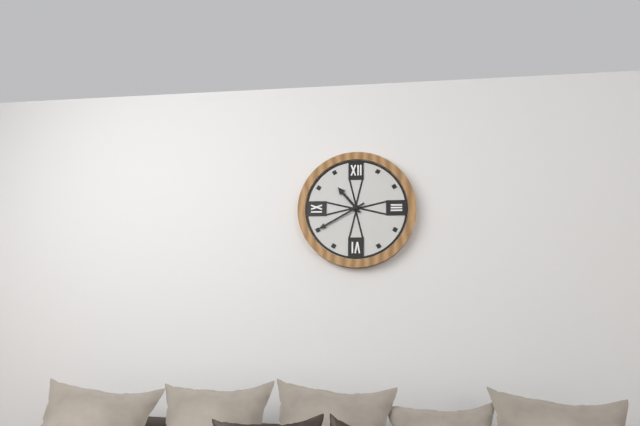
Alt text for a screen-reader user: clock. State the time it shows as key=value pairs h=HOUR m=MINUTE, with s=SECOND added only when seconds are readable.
h=10 m=40
